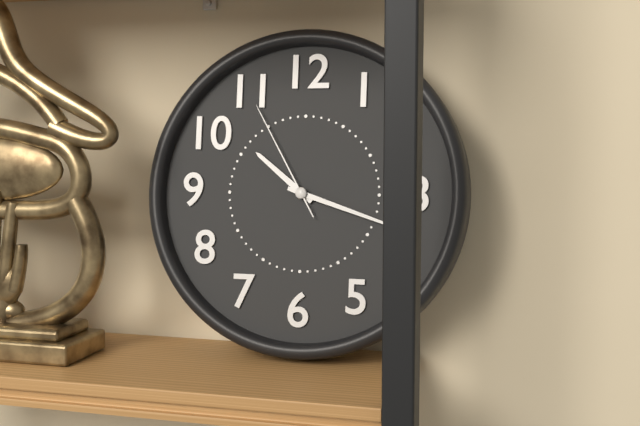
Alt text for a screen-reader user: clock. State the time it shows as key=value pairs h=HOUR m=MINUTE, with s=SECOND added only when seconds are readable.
h=10 m=18 s=55
